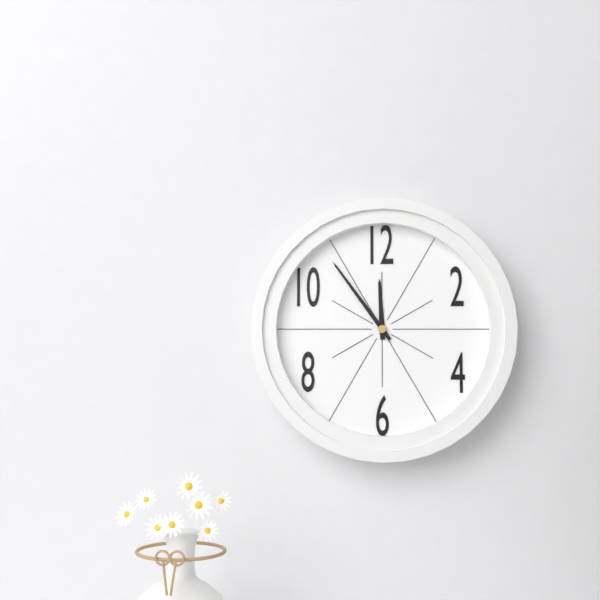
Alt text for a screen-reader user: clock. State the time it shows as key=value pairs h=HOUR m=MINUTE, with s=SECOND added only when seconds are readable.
h=11 m=54
